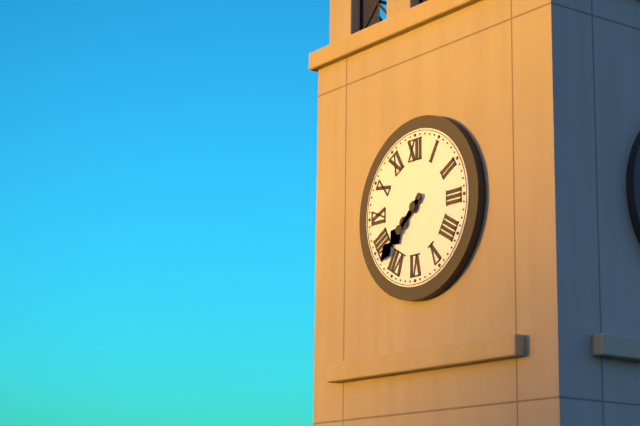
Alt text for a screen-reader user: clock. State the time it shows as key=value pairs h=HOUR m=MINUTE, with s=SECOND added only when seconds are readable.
h=7 m=38
